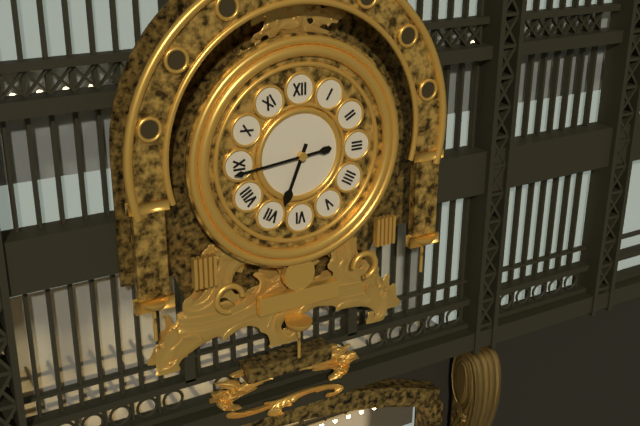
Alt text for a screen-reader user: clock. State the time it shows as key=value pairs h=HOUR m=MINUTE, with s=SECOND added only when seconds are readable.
h=6 m=44
